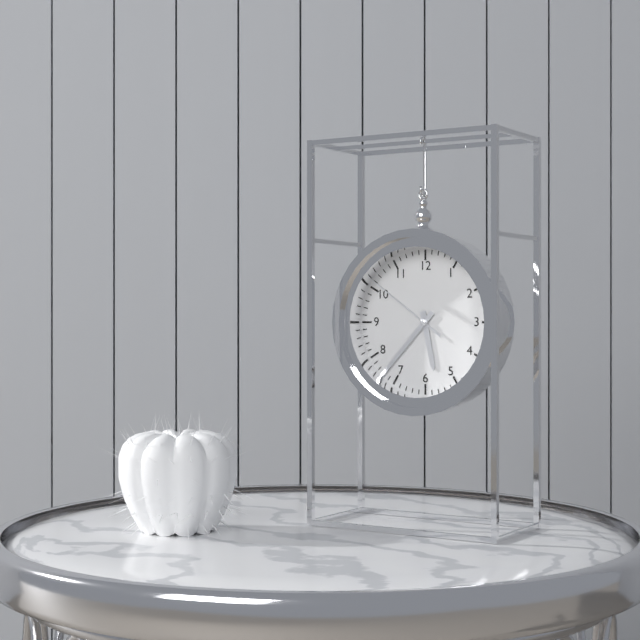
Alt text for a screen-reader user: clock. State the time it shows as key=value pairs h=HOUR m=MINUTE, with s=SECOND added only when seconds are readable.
h=5 m=37 s=51
